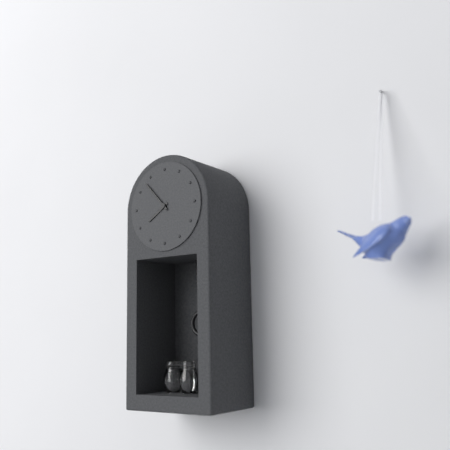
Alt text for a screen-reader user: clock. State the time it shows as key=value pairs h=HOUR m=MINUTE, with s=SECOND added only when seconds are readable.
h=7 m=53
